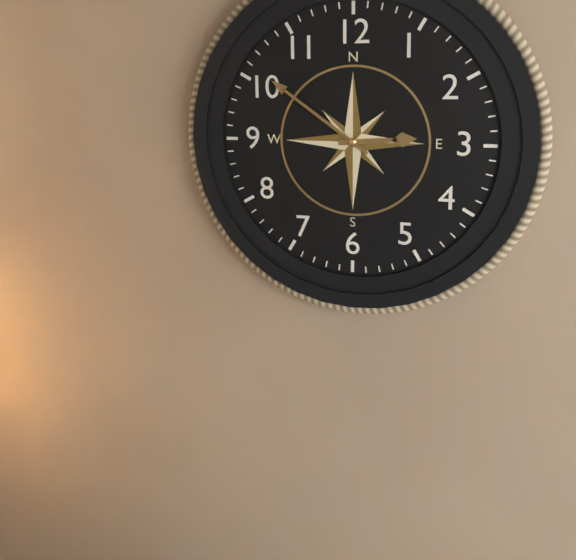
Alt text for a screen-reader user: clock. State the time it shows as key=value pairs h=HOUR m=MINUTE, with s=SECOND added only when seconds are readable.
h=2 m=51
